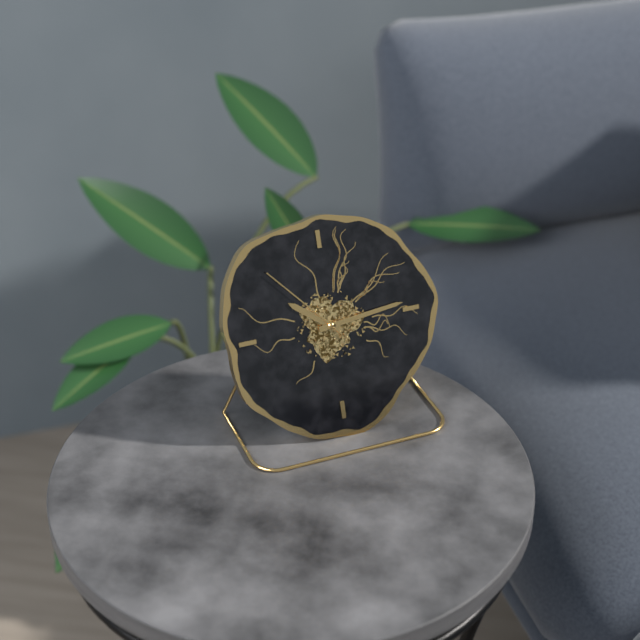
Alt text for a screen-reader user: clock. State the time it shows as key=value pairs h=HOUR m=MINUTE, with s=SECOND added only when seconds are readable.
h=10 m=14 s=53
